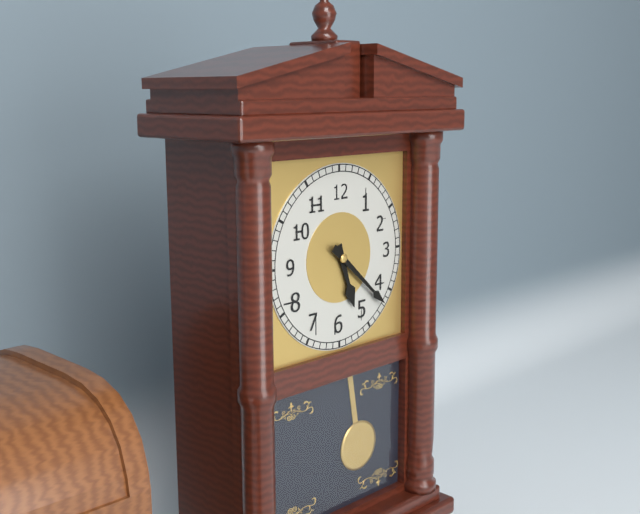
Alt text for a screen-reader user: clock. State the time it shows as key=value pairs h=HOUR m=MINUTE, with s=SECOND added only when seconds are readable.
h=5 m=22
